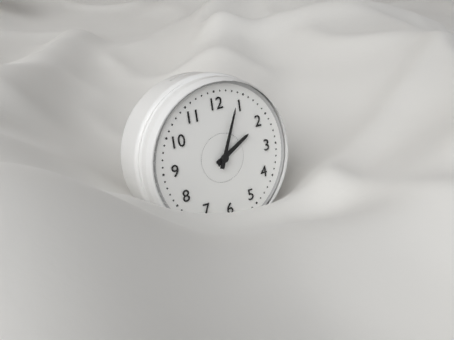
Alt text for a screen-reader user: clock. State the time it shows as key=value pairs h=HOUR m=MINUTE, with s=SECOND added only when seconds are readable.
h=2 m=4
